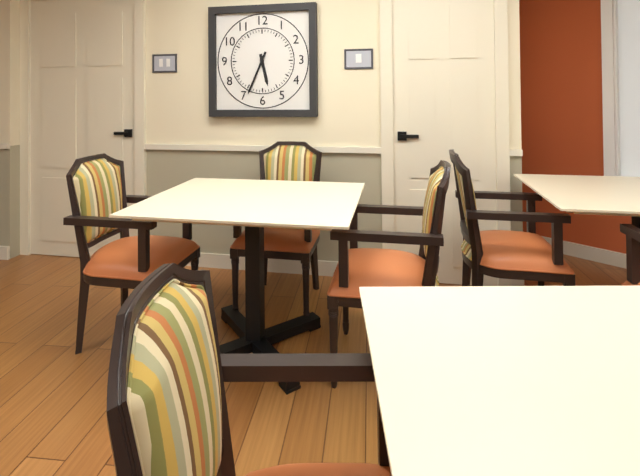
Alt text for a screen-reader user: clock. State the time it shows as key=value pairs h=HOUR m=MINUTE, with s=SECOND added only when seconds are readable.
h=5 m=34
